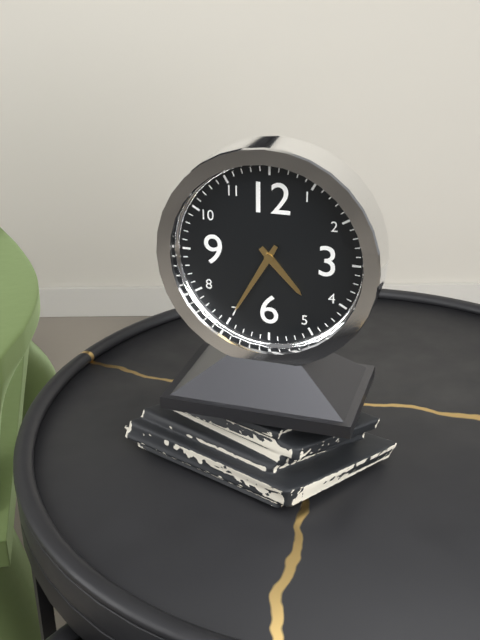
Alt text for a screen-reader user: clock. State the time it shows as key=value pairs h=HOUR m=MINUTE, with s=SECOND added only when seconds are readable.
h=4 m=35
